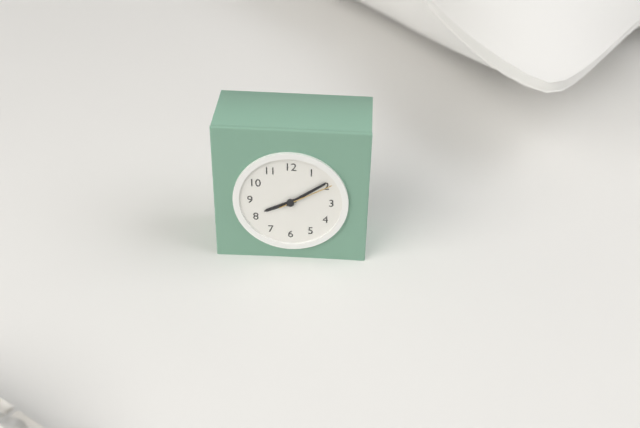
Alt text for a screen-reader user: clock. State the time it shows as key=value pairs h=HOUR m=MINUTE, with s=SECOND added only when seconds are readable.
h=8 m=9 s=10
